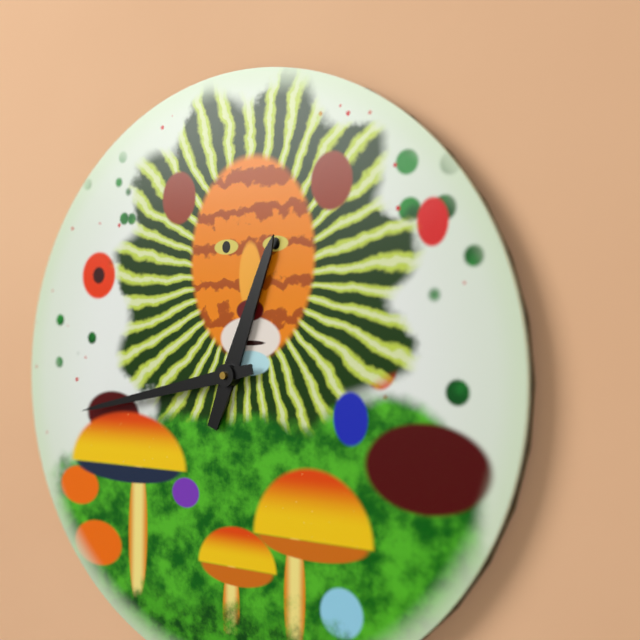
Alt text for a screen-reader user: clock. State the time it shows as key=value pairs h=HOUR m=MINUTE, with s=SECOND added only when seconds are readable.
h=12 m=43
